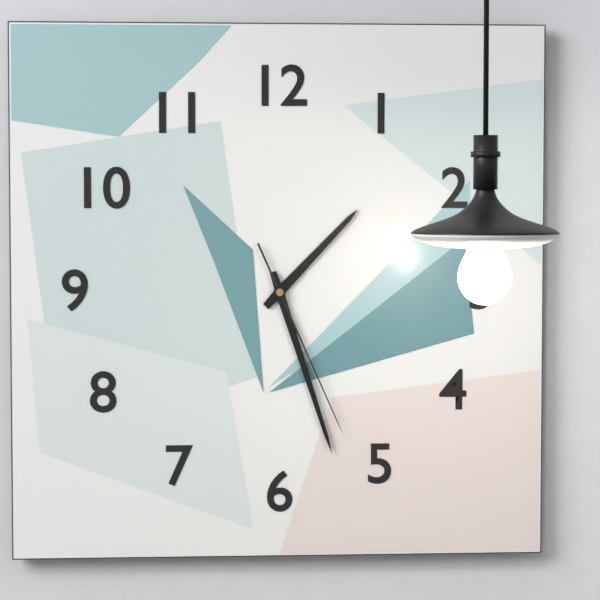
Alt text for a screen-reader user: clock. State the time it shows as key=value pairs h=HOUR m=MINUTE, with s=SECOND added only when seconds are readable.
h=1 m=27 s=26
